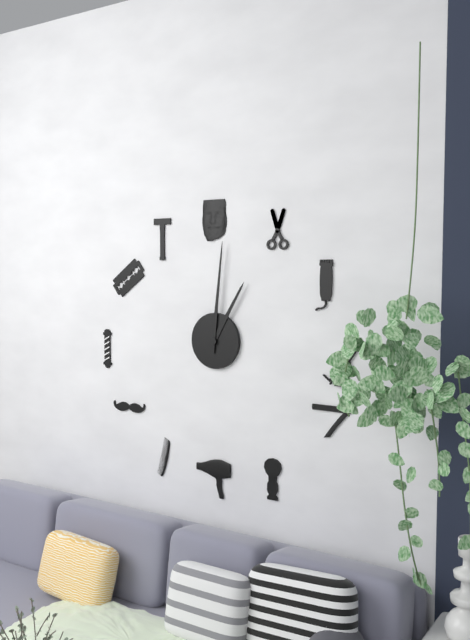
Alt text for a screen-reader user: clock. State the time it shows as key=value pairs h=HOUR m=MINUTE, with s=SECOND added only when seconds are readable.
h=1 m=1
